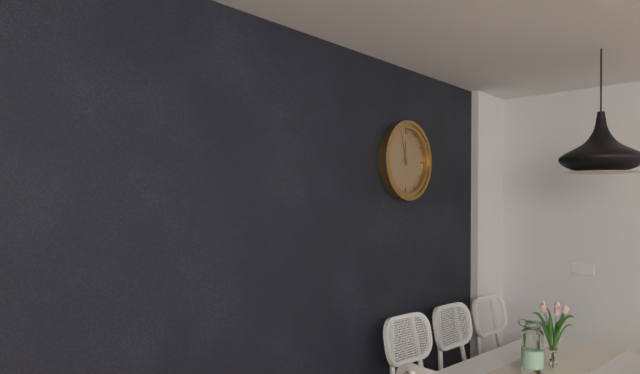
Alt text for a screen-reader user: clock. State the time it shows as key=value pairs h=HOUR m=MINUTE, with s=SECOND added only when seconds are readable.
h=11 m=57
